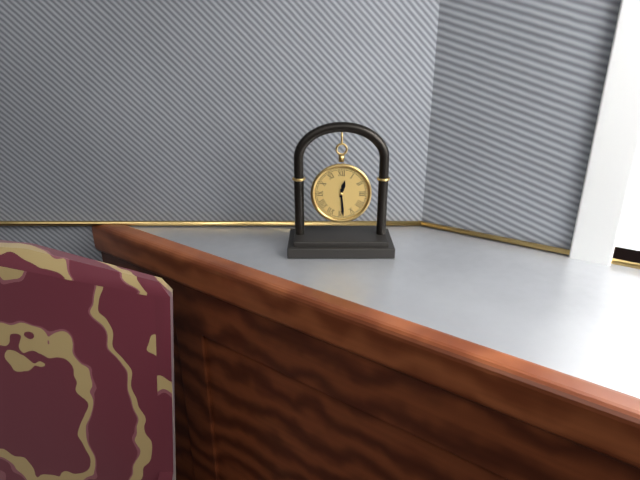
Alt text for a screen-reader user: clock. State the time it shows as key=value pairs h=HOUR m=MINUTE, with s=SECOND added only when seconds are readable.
h=12 m=29
